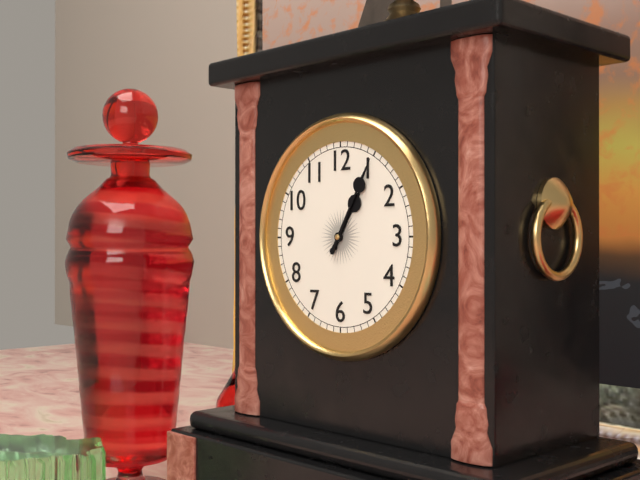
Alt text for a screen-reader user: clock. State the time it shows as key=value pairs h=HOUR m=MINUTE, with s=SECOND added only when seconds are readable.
h=1 m=5
